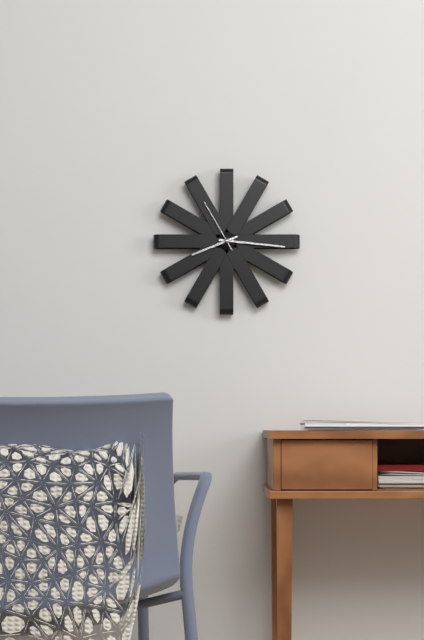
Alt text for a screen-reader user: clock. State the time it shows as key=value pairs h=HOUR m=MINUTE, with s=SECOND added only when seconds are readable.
h=8 m=16 s=55
